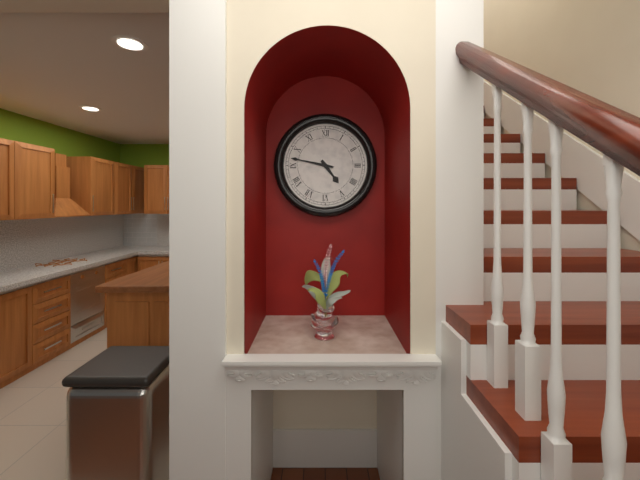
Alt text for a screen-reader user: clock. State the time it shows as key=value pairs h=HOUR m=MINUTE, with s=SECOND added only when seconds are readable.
h=4 m=47
